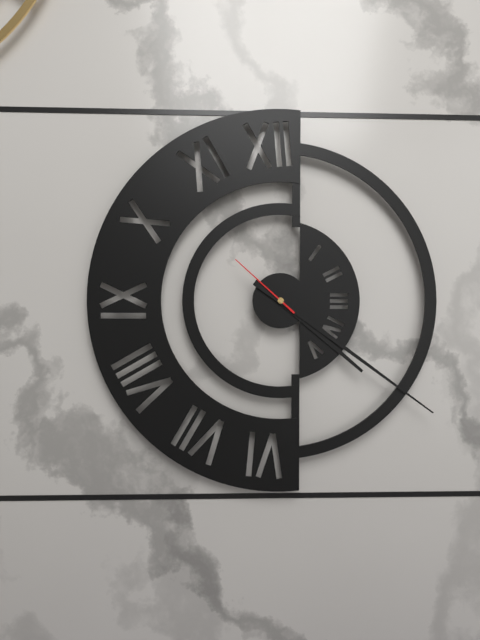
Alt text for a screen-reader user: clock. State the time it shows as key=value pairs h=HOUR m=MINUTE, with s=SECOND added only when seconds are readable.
h=4 m=21 s=52
